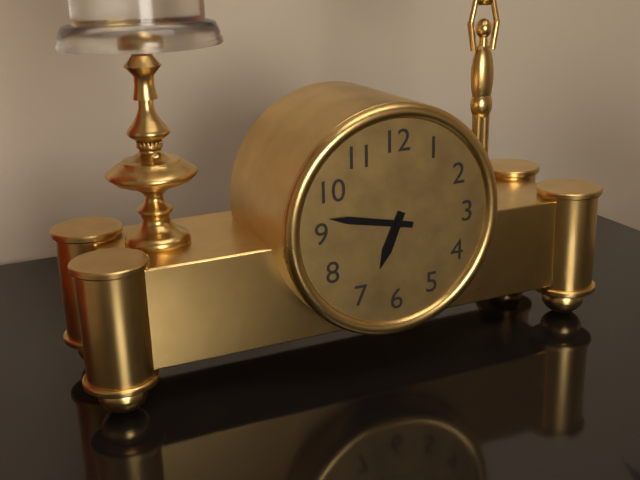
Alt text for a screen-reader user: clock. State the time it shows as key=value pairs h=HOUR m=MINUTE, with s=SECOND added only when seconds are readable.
h=6 m=47
